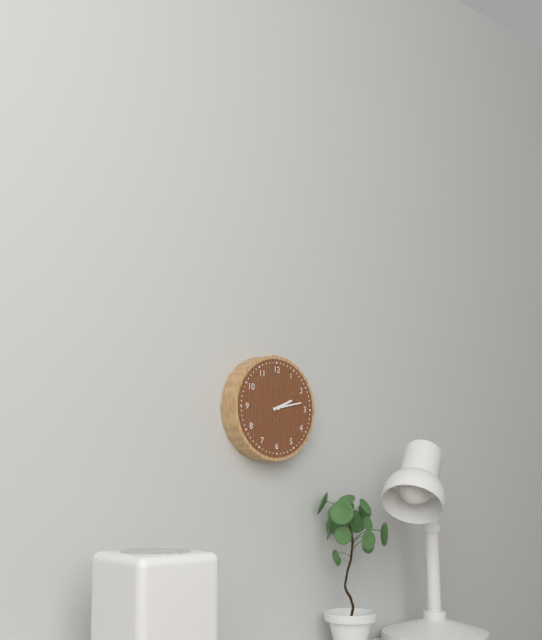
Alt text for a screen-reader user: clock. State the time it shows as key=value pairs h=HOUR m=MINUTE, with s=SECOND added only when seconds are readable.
h=2 m=13
